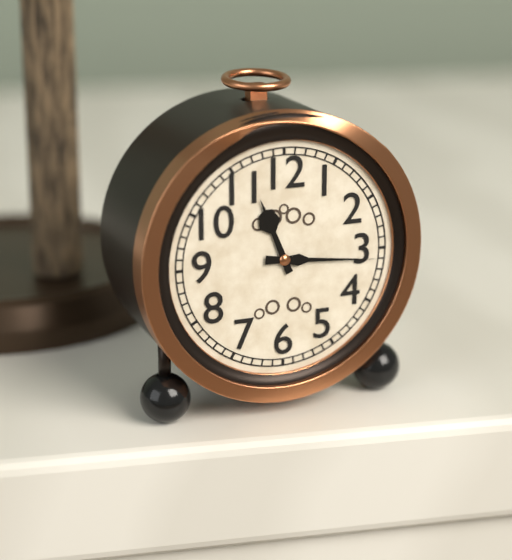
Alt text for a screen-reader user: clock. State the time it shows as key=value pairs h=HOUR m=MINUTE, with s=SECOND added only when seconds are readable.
h=11 m=16
